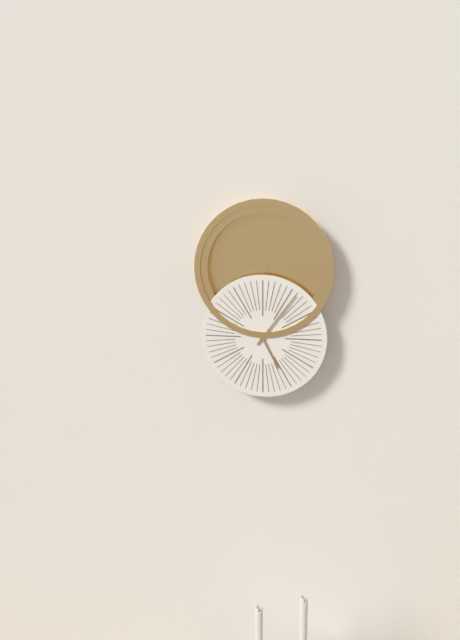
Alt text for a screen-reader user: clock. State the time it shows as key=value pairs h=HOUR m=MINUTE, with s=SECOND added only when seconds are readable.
h=5 m=6
